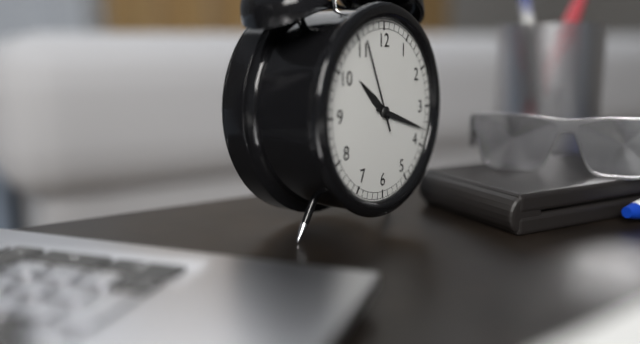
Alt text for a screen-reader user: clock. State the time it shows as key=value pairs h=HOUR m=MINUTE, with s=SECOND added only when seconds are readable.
h=10 m=18 s=56
